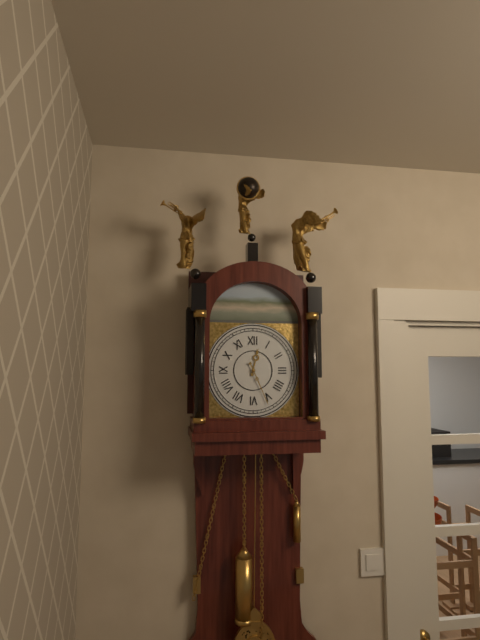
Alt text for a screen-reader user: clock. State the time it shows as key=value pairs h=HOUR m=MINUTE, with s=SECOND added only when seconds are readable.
h=12 m=26
